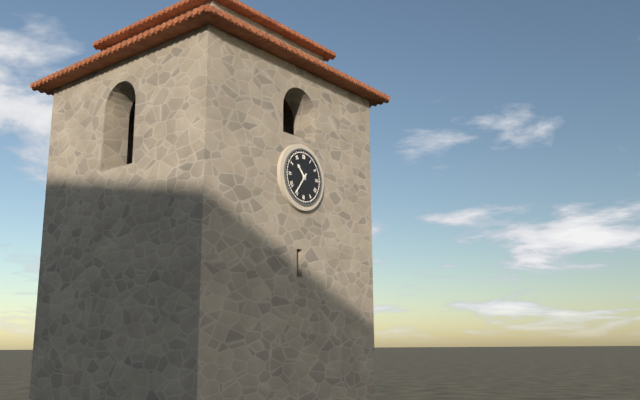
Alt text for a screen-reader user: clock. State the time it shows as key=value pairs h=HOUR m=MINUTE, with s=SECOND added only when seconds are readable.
h=10 m=36
